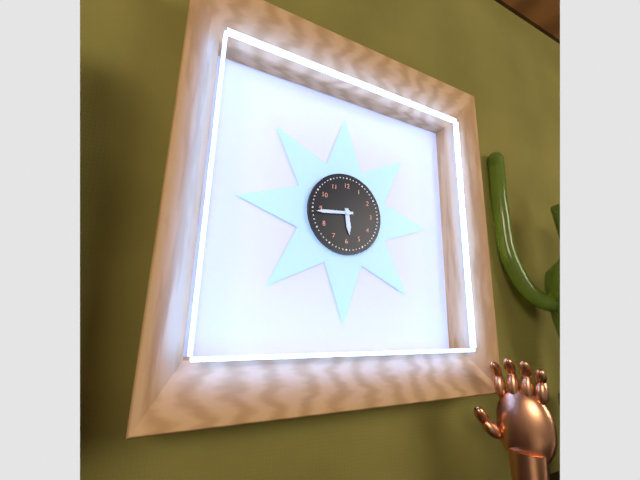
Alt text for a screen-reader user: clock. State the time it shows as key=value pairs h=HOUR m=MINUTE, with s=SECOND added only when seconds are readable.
h=5 m=44
